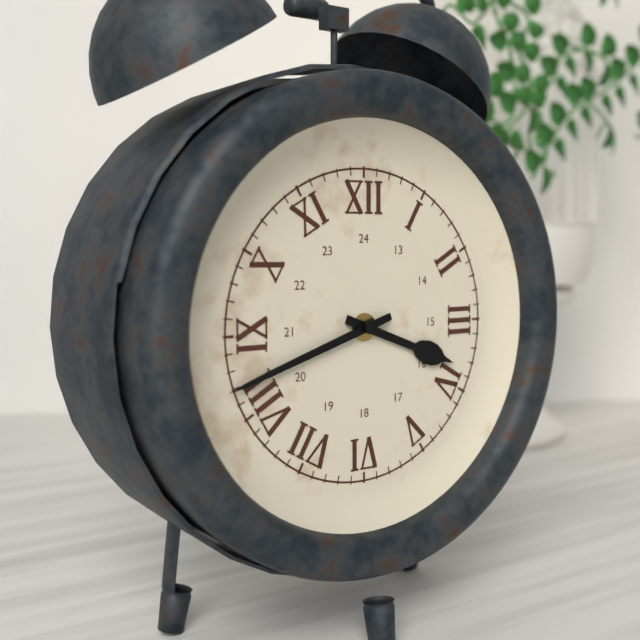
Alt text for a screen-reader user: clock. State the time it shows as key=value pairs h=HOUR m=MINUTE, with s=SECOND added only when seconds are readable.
h=3 m=42
